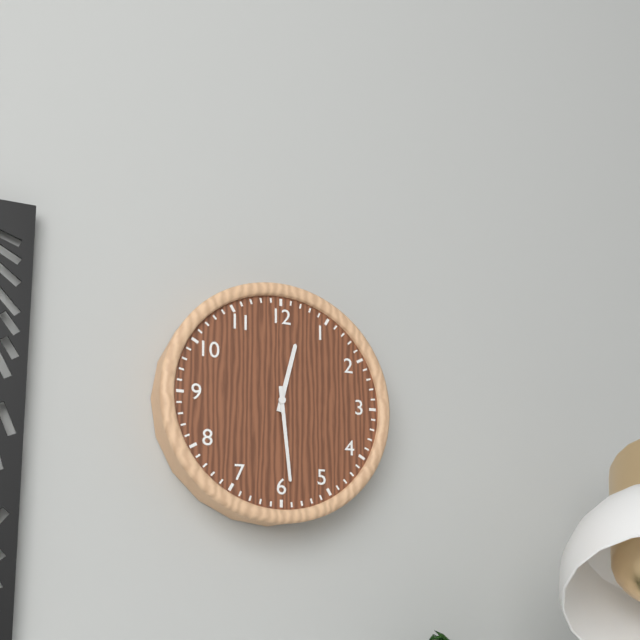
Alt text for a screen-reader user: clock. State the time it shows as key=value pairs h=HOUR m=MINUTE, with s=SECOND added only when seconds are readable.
h=12 m=29
